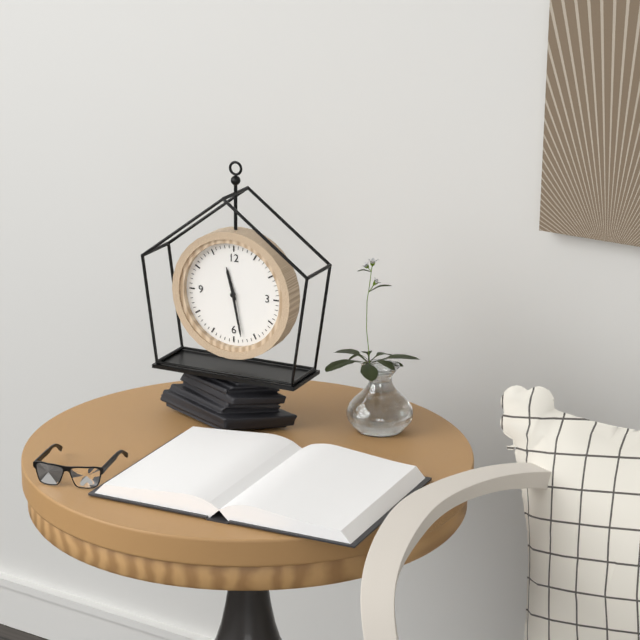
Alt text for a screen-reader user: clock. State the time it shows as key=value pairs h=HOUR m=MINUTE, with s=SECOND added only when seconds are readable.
h=11 m=28
